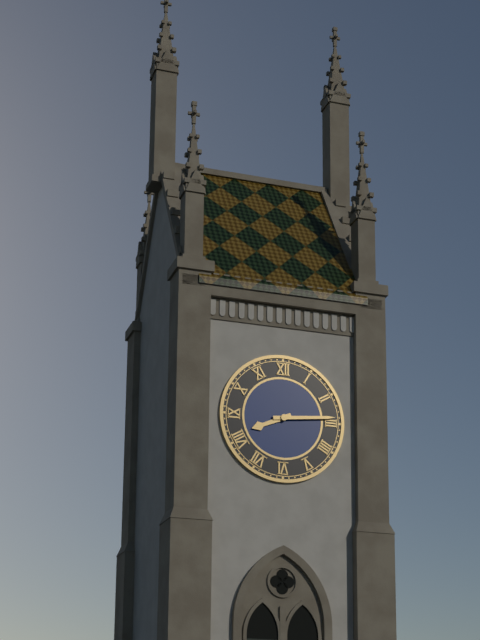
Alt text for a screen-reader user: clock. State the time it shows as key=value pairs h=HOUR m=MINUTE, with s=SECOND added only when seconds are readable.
h=8 m=14
